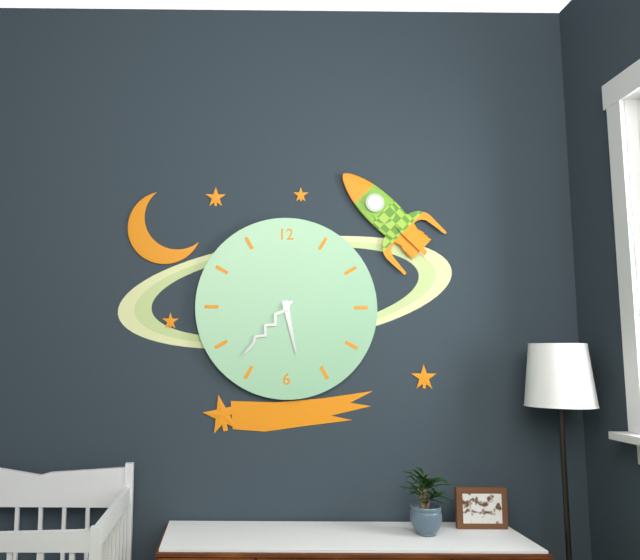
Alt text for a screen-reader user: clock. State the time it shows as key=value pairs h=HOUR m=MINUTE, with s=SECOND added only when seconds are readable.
h=5 m=37
